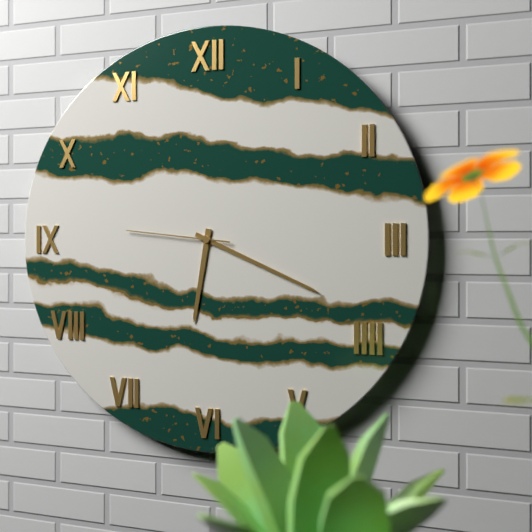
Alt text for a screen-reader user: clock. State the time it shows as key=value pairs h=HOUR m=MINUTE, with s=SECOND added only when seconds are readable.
h=6 m=19 s=46
